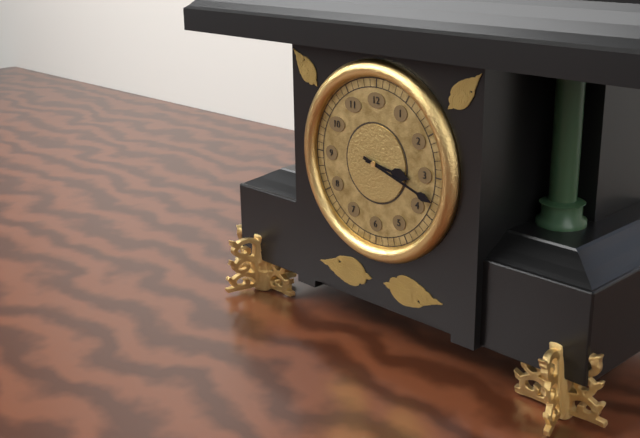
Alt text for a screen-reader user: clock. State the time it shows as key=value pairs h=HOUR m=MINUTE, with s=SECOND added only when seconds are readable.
h=3 m=18
